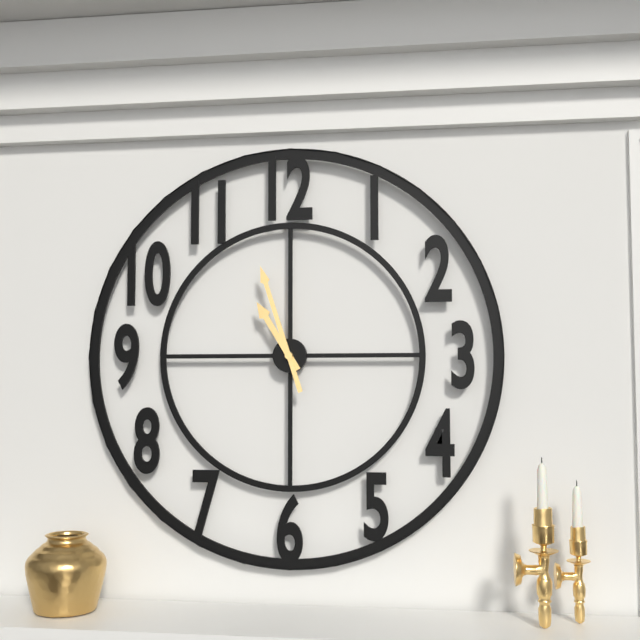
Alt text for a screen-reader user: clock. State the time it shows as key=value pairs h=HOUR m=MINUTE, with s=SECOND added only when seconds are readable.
h=10 m=57
